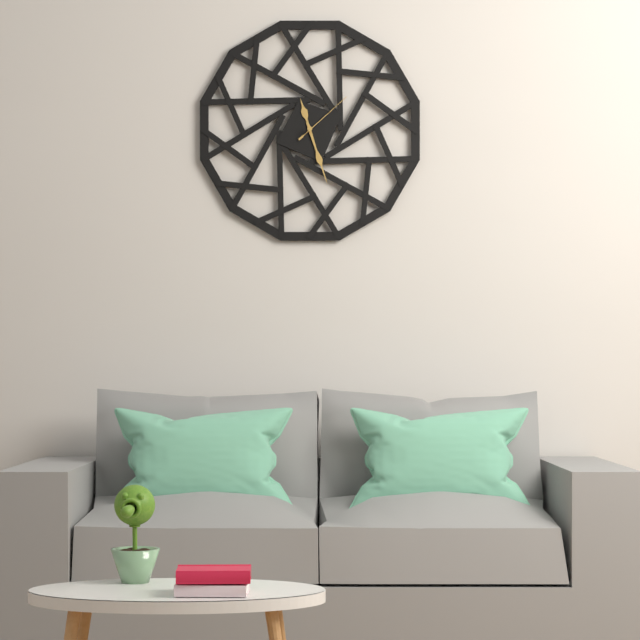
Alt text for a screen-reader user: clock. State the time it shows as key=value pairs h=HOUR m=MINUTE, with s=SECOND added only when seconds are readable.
h=11 m=27 s=8
